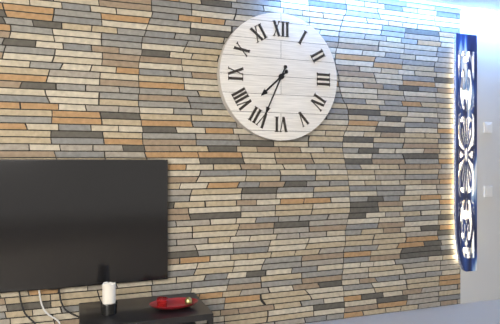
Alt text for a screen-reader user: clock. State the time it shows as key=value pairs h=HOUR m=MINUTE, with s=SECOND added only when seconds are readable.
h=7 m=34
